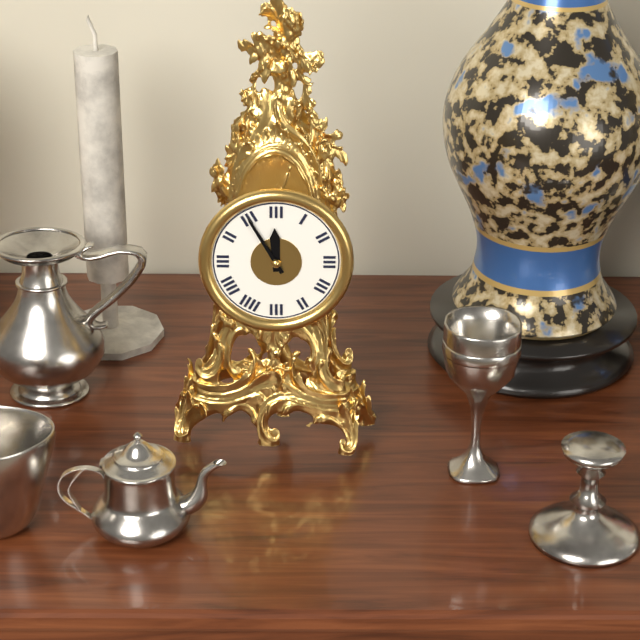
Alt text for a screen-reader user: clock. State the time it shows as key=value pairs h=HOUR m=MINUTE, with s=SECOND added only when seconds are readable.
h=11 m=55
